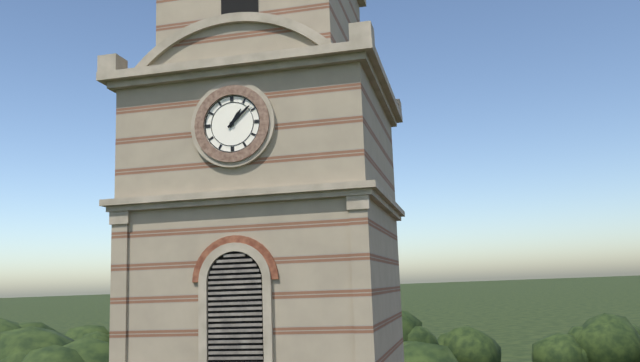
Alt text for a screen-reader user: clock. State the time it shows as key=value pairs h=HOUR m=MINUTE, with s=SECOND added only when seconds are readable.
h=1 m=8
